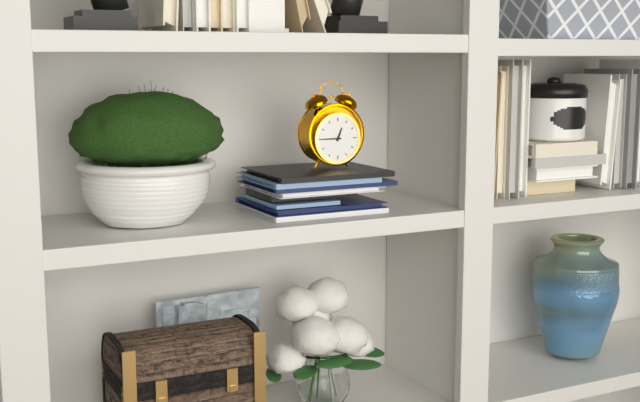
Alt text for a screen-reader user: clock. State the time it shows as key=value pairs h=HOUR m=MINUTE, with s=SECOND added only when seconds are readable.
h=12 m=45
